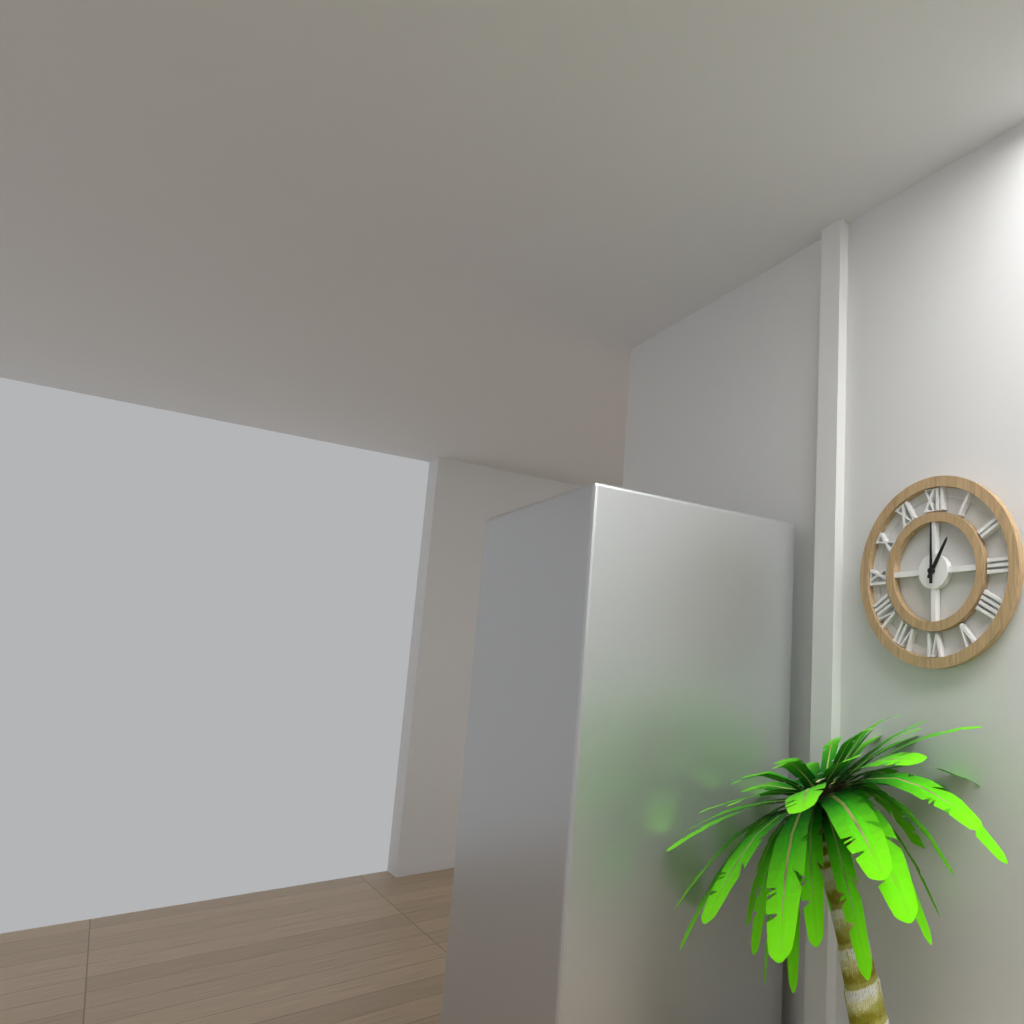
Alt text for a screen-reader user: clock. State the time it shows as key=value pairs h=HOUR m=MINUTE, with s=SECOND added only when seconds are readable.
h=1 m=0
